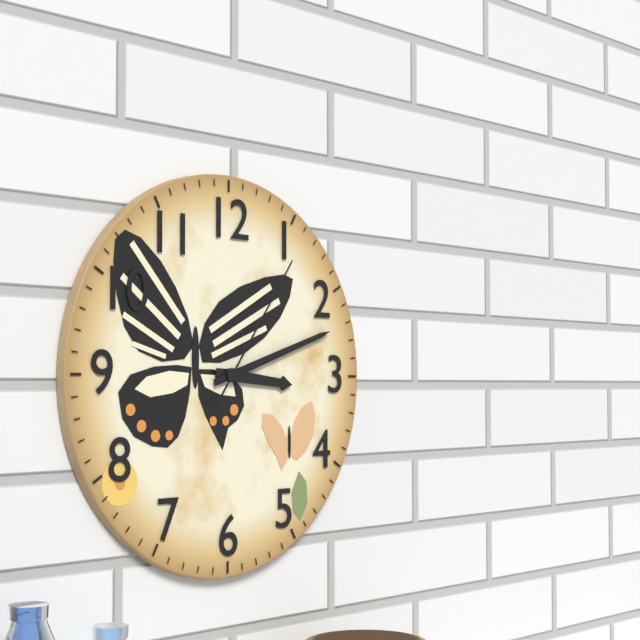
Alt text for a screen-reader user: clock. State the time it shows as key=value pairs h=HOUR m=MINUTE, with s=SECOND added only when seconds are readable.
h=3 m=12 s=6
